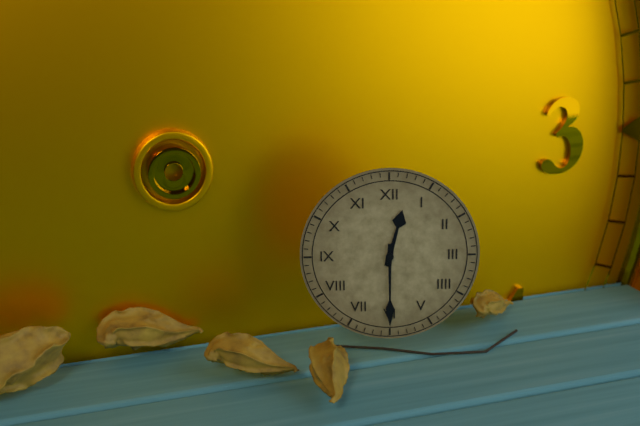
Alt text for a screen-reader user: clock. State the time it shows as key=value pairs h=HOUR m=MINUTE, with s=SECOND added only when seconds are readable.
h=12 m=30
